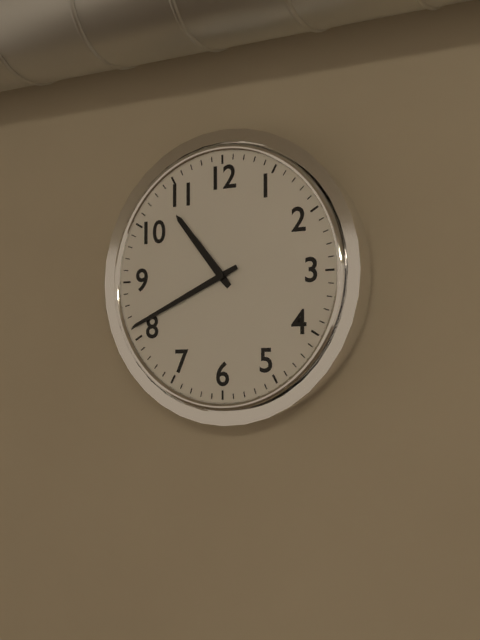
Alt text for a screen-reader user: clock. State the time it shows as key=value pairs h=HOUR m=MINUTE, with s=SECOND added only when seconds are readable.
h=10 m=41
